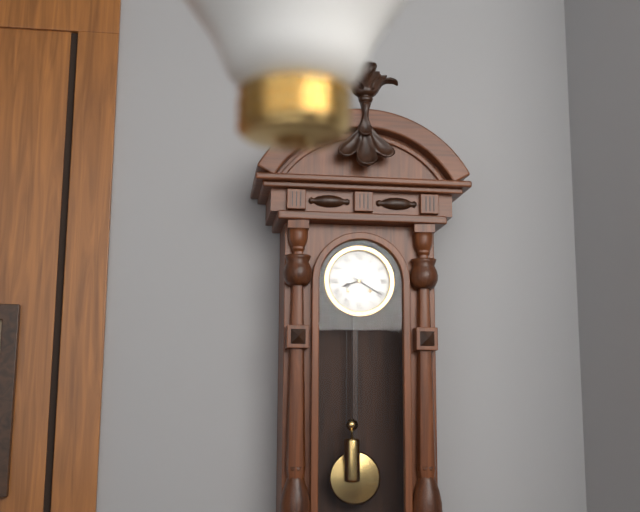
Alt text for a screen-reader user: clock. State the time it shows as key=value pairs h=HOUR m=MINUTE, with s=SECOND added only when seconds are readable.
h=8 m=20
